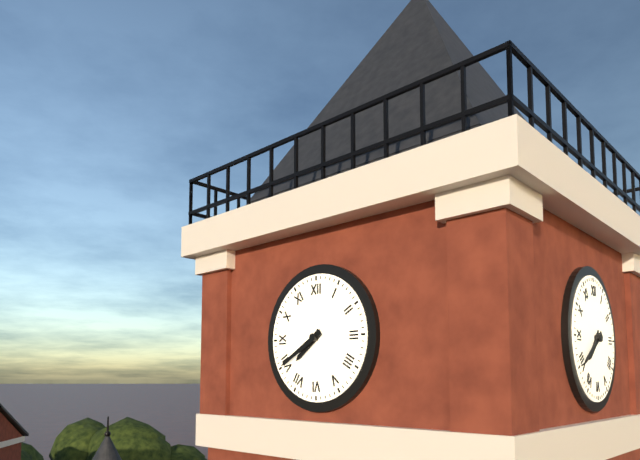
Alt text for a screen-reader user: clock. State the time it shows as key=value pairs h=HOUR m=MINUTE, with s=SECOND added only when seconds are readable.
h=7 m=40
